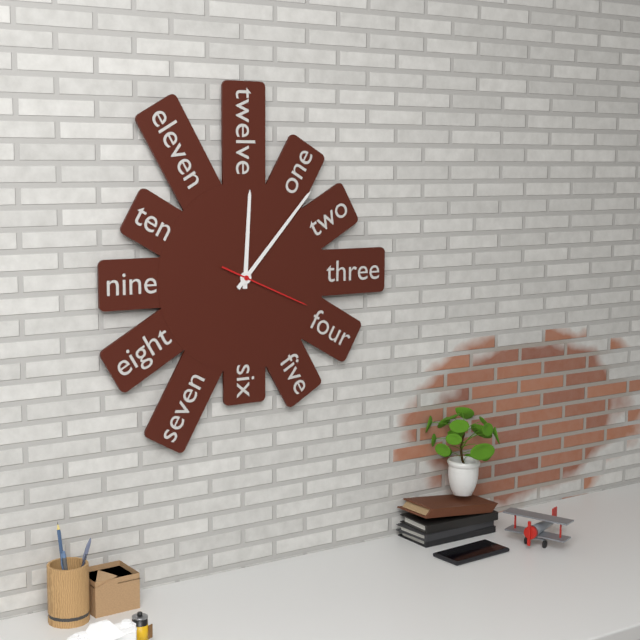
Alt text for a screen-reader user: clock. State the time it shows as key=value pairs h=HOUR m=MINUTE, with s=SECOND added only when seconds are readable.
h=12 m=7 s=19
